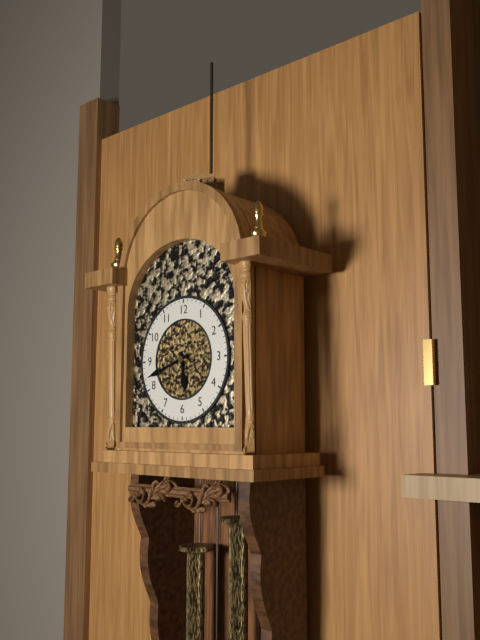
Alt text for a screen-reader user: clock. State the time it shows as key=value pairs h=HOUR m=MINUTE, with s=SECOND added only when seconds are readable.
h=5 m=42
